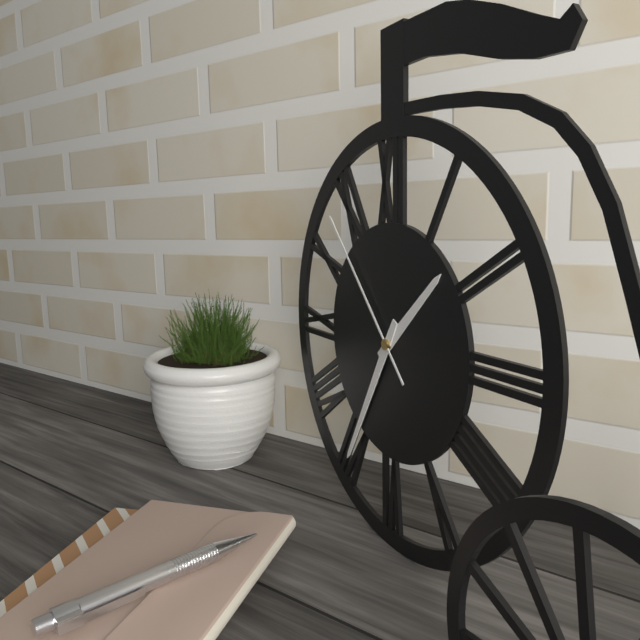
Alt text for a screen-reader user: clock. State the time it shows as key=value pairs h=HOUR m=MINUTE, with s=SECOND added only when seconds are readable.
h=1 m=35 s=53
